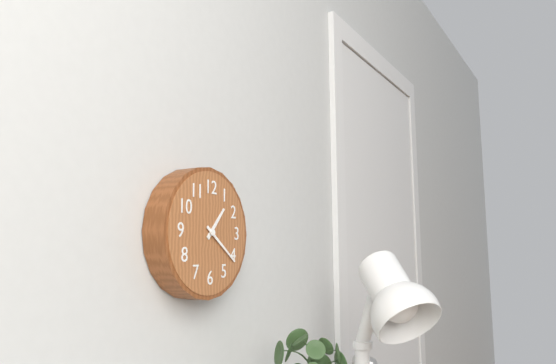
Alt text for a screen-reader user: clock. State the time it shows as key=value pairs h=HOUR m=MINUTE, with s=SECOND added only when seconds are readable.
h=1 m=21
